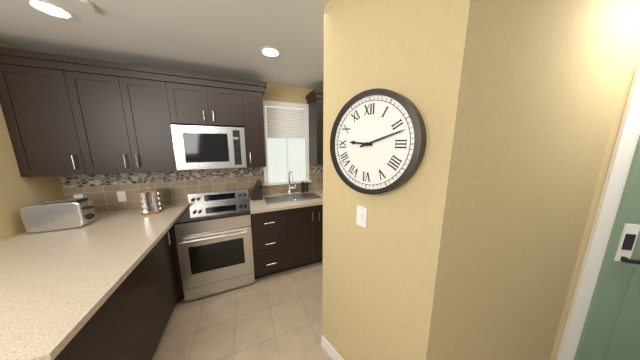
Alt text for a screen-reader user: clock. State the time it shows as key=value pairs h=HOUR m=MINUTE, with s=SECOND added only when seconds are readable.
h=9 m=12
